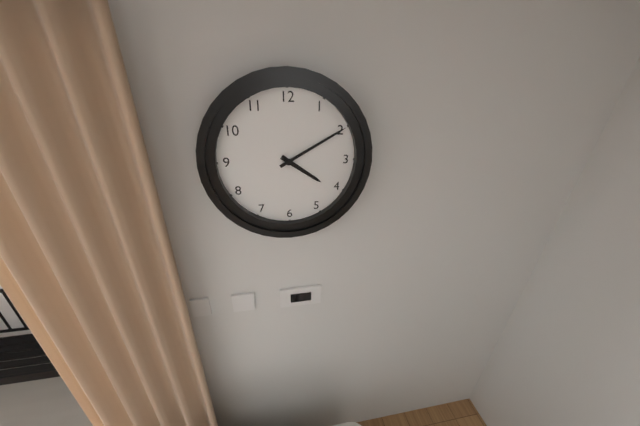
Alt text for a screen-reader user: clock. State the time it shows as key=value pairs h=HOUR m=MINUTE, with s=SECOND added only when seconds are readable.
h=4 m=10
